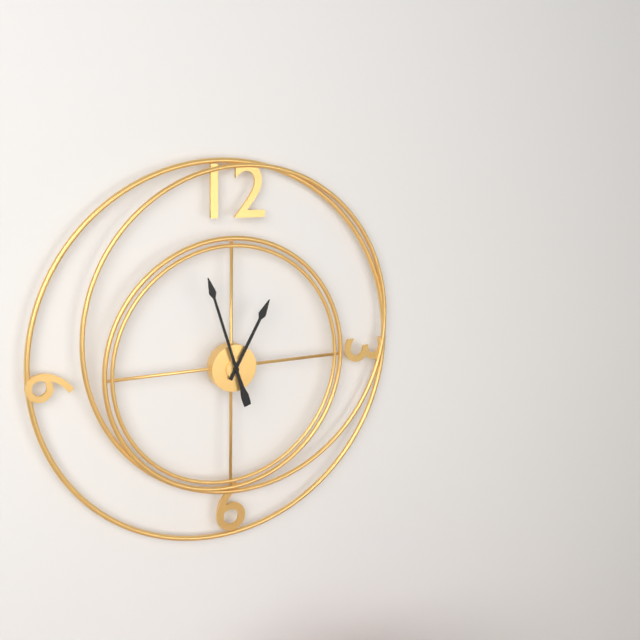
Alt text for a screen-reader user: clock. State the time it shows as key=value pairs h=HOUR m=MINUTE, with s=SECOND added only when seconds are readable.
h=12 m=57
